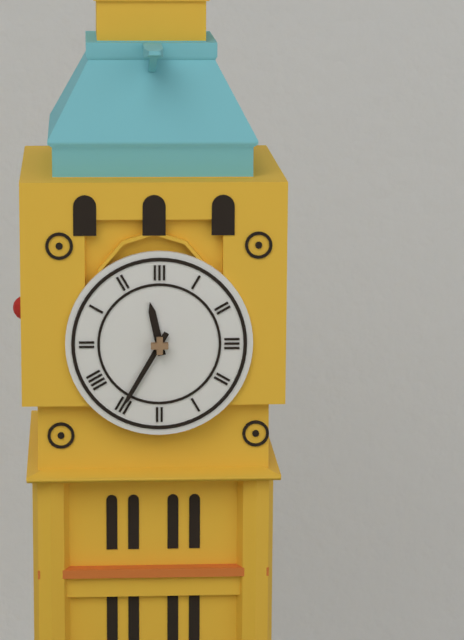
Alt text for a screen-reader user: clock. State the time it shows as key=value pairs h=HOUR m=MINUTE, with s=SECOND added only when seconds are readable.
h=11 m=35
